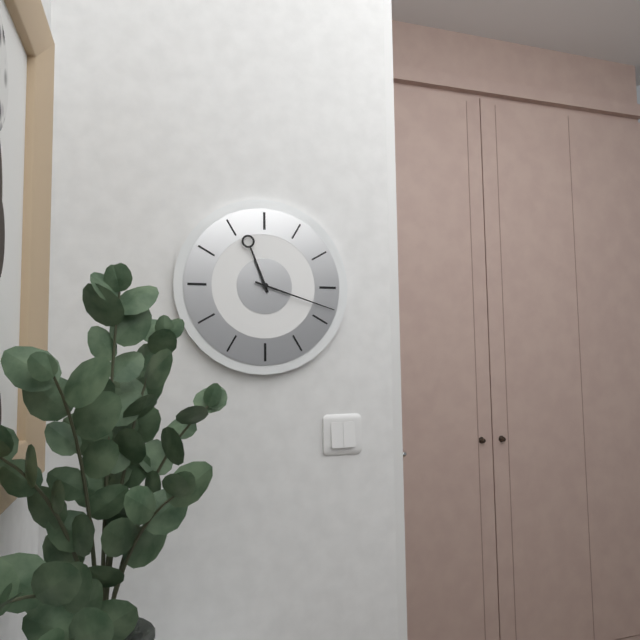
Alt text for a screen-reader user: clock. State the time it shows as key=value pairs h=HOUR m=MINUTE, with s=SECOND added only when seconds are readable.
h=11 m=18
